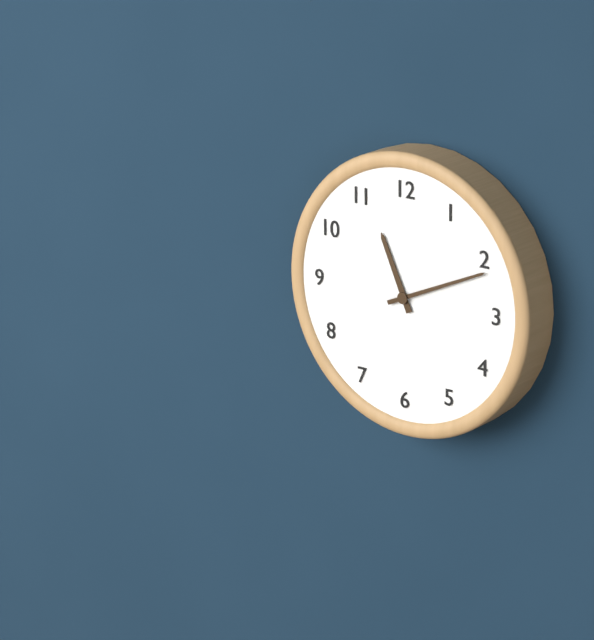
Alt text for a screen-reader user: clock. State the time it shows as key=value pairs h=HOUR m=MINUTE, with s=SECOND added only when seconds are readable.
h=11 m=11
